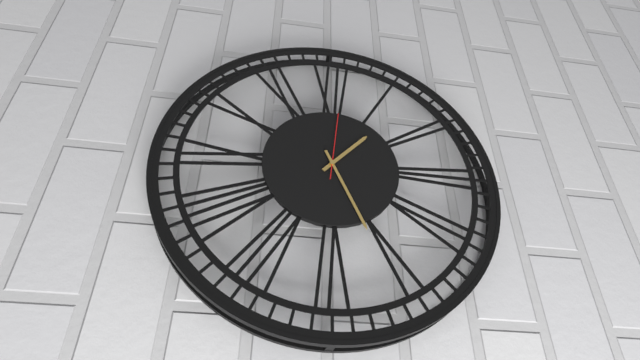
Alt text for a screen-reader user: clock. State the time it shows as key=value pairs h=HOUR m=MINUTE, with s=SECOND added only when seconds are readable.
h=1 m=26 s=1
